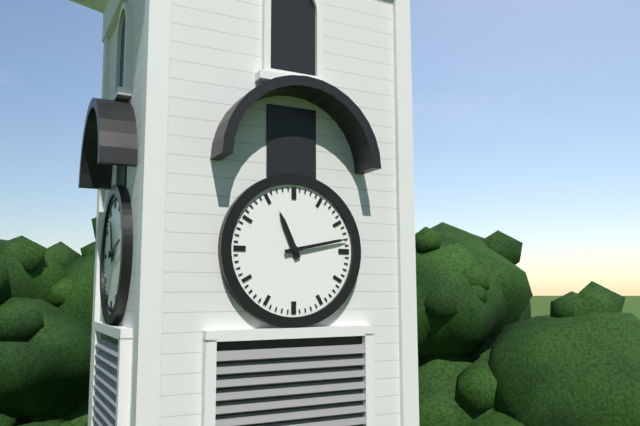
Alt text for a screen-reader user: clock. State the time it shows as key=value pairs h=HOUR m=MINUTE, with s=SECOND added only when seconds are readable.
h=11 m=13
